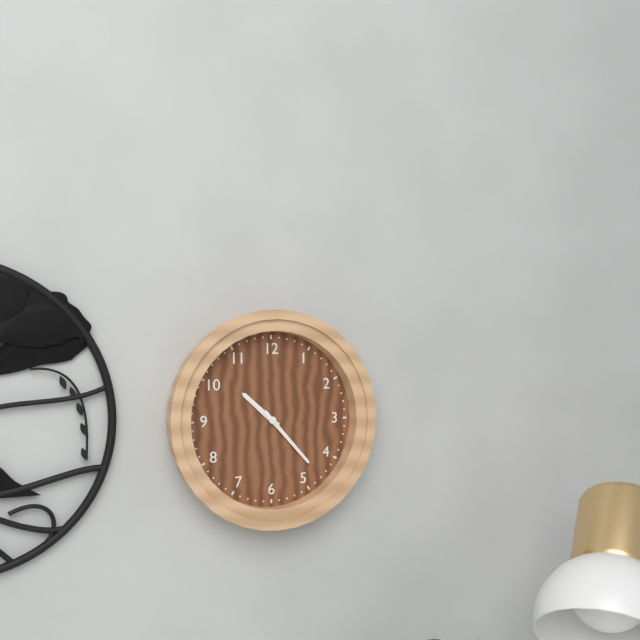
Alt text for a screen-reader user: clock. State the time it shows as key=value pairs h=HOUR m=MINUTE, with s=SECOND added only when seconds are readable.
h=10 m=23
